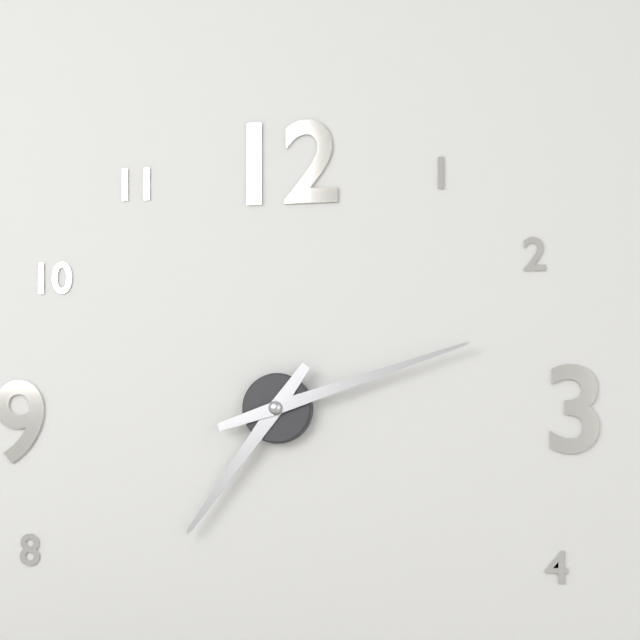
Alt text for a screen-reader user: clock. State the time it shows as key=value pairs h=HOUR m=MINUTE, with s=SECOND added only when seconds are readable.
h=7 m=12
